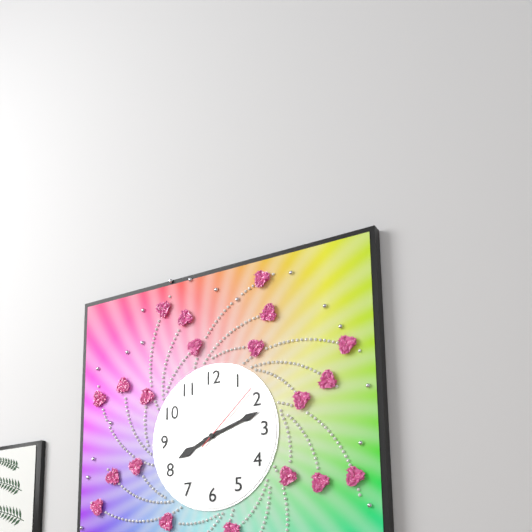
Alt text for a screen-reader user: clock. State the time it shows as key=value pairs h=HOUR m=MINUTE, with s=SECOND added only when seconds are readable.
h=8 m=12 s=8
